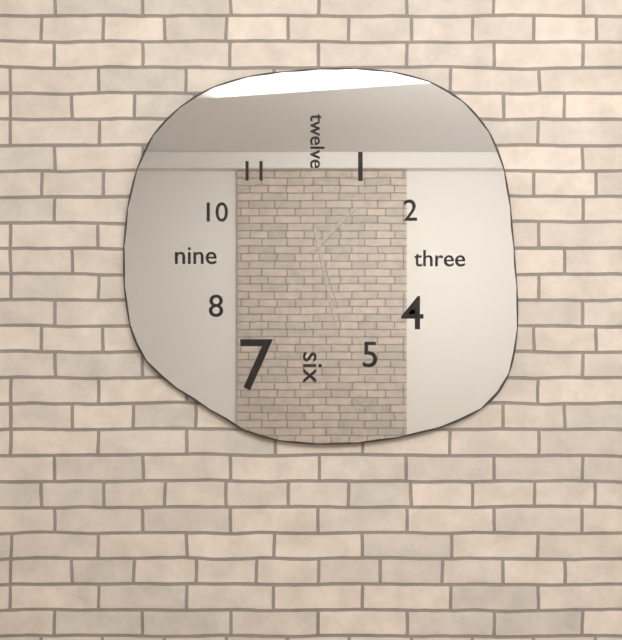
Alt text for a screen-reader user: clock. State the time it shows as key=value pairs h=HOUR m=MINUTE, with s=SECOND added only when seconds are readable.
h=1 m=28 s=27
